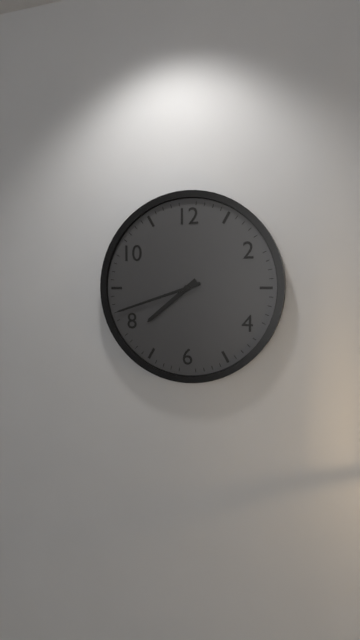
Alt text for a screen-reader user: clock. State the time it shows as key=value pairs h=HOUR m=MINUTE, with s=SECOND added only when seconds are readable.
h=7 m=42
